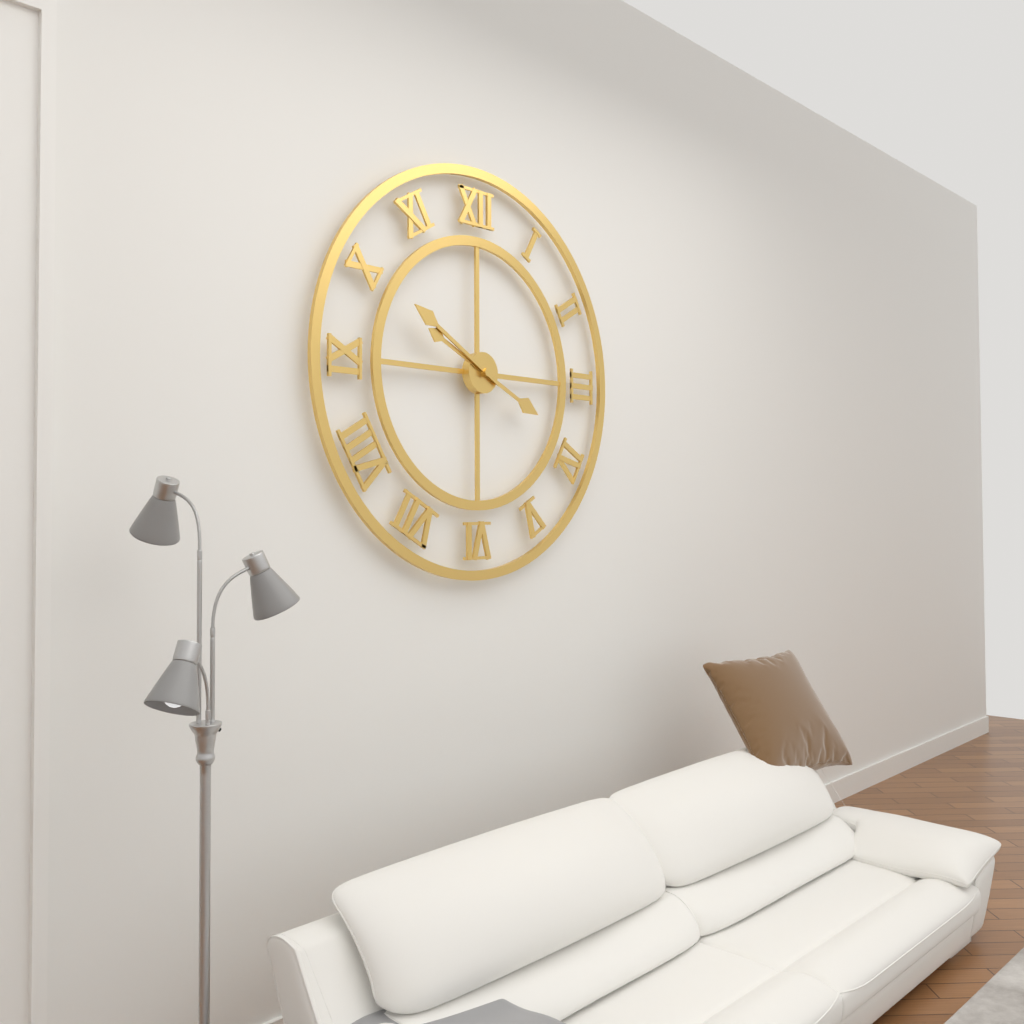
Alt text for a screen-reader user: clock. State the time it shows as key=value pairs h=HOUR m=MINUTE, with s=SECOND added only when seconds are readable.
h=3 m=50
